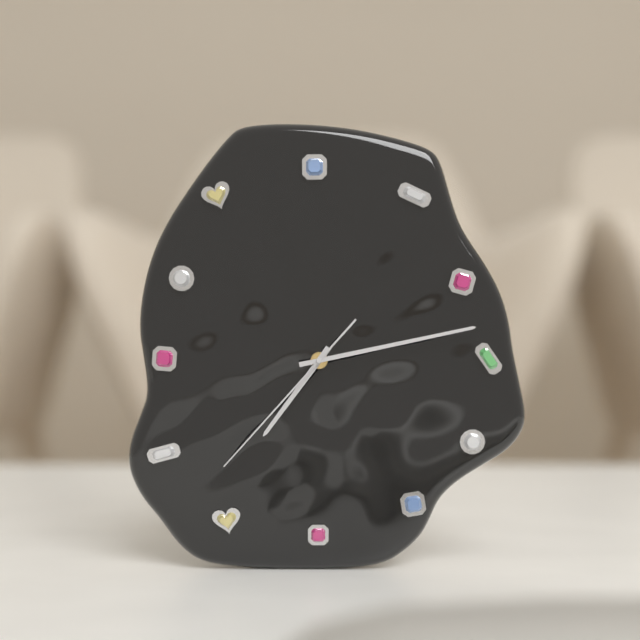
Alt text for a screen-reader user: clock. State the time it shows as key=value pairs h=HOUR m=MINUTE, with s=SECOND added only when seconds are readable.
h=7 m=13 s=37
